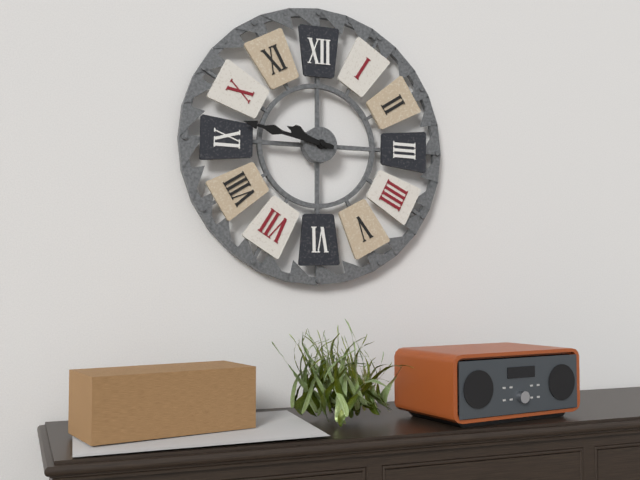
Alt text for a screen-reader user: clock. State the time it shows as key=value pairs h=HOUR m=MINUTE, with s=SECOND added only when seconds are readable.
h=9 m=47
